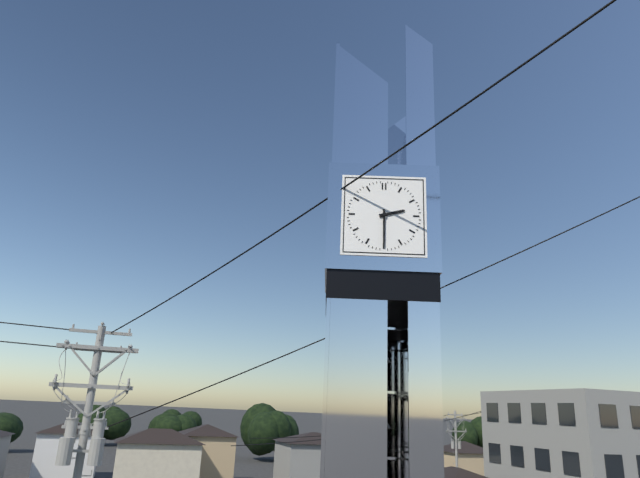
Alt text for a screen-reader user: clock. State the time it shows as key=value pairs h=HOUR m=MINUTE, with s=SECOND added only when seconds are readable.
h=2 m=30
